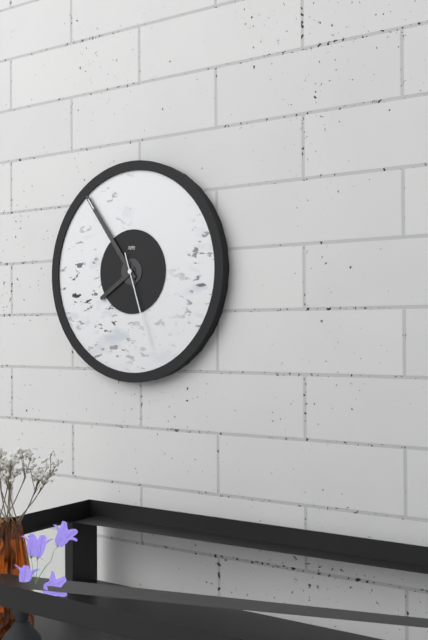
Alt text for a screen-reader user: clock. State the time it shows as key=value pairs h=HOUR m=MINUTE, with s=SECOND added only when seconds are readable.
h=7 m=54 s=27
